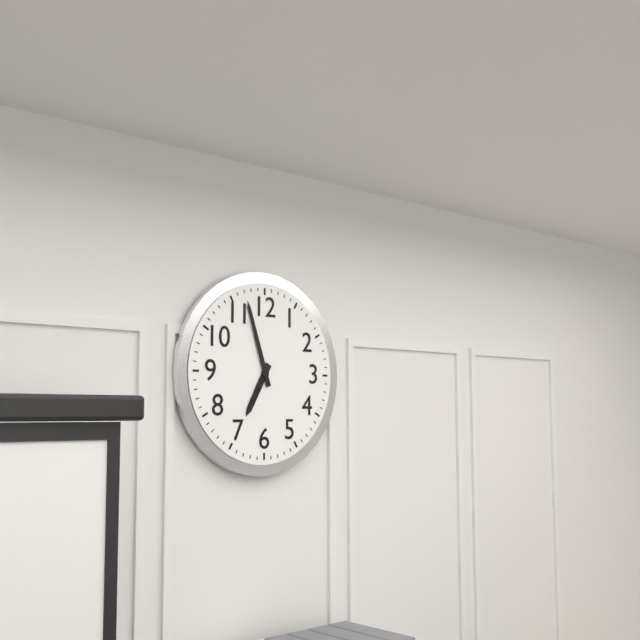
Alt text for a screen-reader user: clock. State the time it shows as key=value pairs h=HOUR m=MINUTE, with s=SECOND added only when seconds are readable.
h=6 m=57
